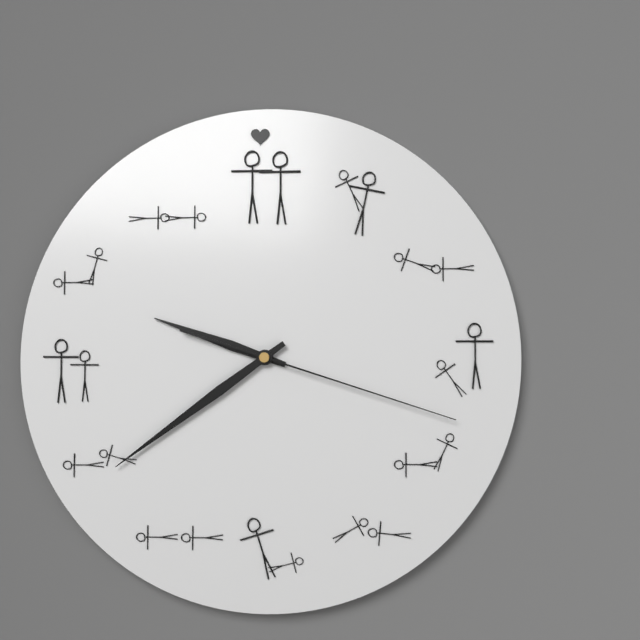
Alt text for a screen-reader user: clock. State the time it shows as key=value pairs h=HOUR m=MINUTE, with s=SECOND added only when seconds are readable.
h=9 m=39 s=18
